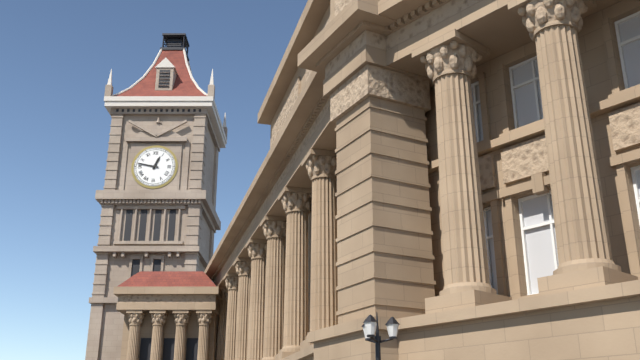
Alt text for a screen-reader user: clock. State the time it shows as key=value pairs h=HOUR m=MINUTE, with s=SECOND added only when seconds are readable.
h=12 m=47
